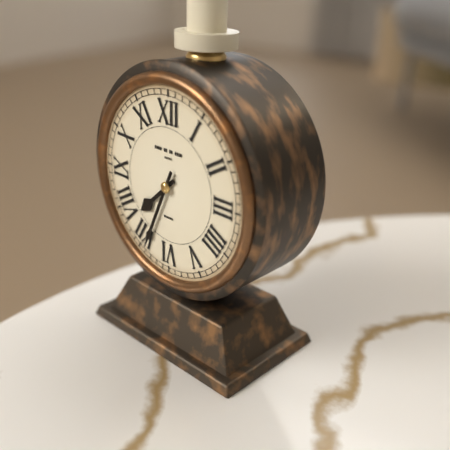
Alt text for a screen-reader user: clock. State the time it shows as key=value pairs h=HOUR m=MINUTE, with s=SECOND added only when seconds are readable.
h=7 m=34
